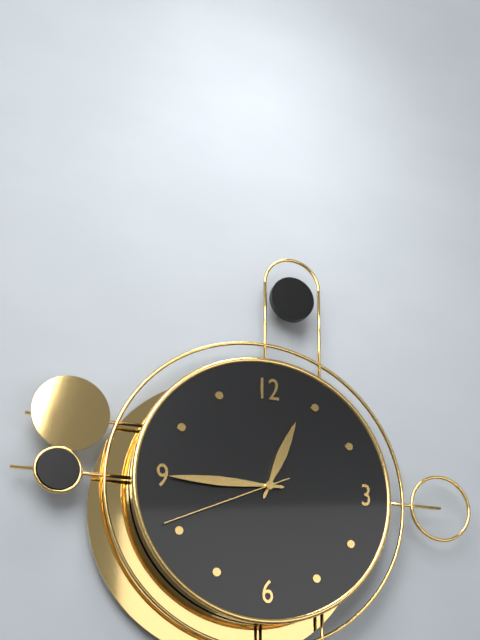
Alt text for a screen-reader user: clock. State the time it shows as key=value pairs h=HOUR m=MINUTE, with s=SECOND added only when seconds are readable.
h=12 m=45 s=41
